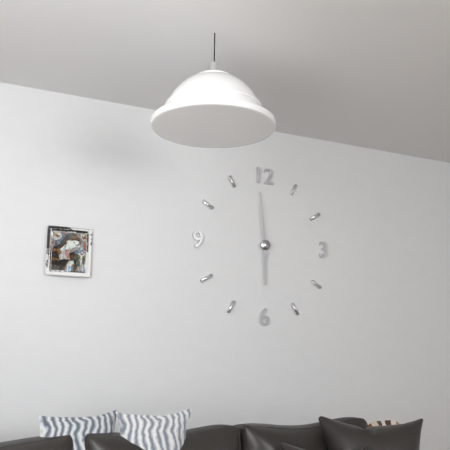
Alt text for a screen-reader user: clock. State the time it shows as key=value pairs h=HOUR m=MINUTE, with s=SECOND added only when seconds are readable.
h=5 m=59
